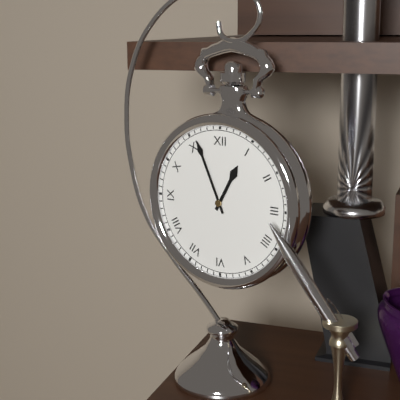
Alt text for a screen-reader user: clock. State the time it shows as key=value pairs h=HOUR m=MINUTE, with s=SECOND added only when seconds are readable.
h=12 m=56
